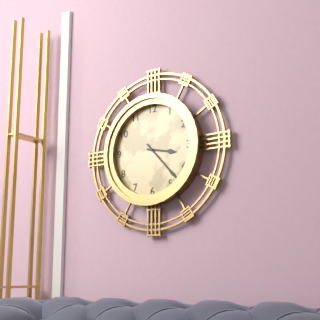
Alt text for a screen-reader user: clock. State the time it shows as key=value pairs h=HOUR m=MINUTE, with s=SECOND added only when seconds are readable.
h=3 m=23
